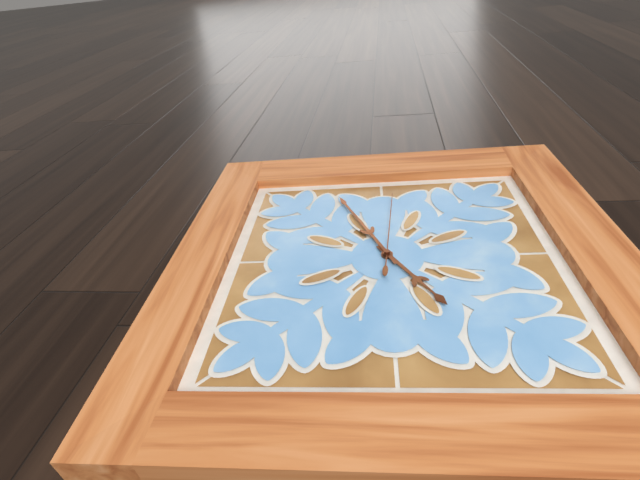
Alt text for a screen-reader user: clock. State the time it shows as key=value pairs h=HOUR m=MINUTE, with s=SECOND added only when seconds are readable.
h=4 m=56 s=1
